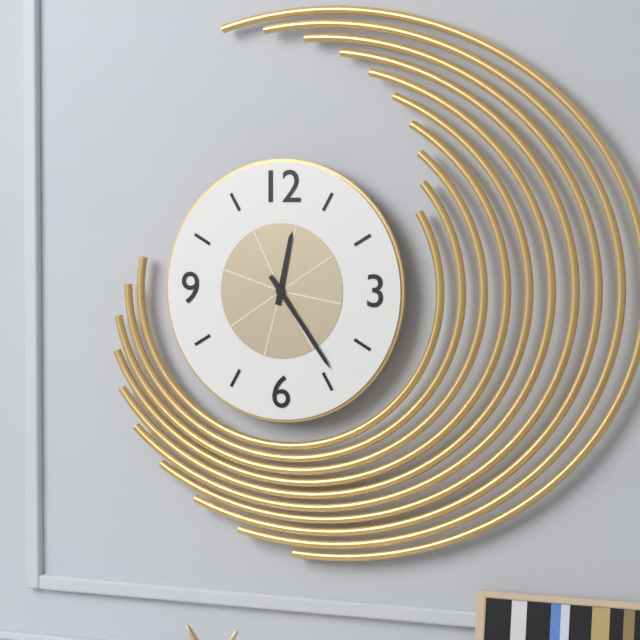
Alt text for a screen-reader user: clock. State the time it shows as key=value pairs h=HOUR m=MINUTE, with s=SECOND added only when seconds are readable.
h=12 m=24
